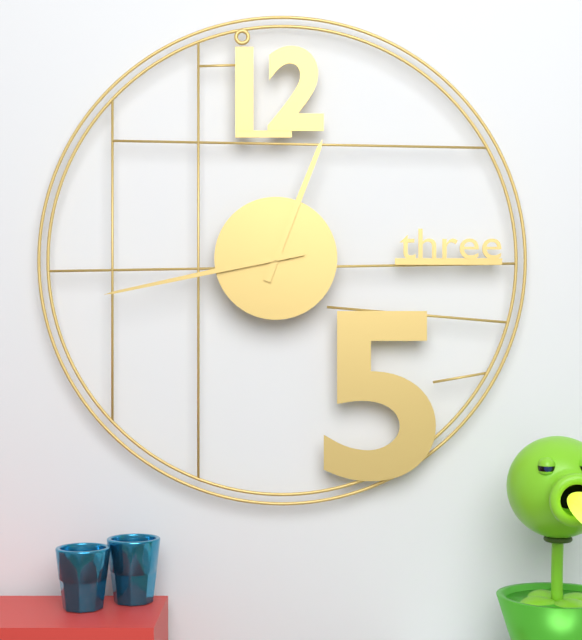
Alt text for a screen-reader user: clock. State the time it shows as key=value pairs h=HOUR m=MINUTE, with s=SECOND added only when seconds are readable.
h=12 m=43
